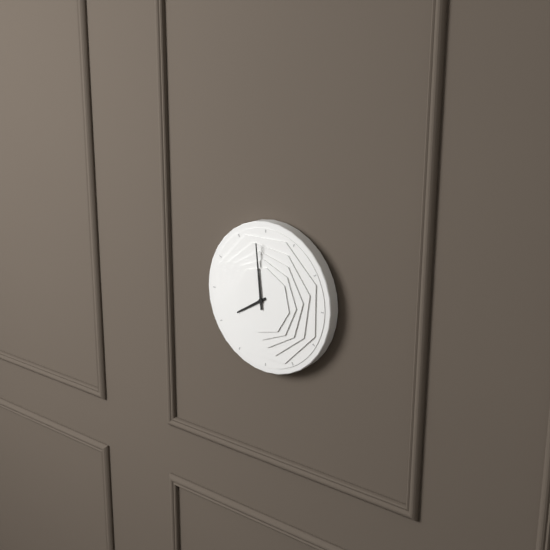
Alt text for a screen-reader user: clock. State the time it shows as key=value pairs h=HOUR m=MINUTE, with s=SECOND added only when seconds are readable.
h=7 m=59
